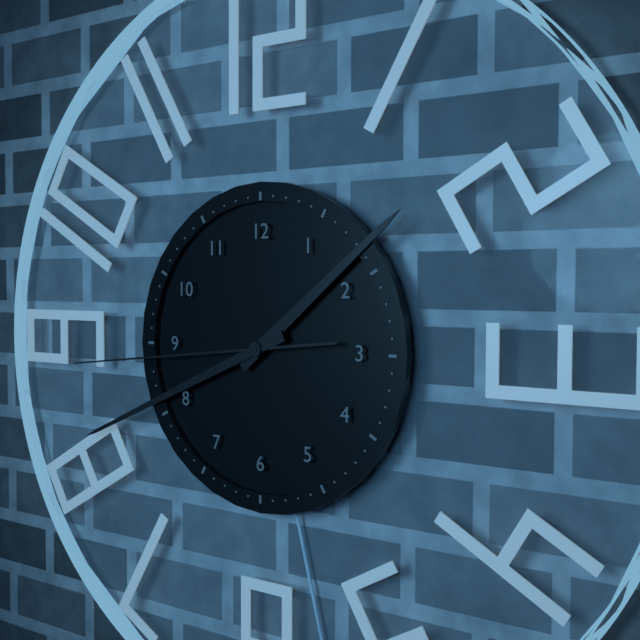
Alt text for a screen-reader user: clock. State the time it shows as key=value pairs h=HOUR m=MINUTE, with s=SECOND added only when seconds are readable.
h=1 m=41 s=44
